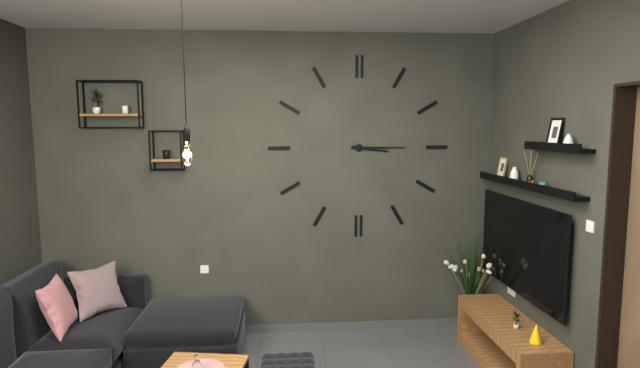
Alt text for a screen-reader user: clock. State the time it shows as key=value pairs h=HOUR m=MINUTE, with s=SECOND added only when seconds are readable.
h=3 m=15
